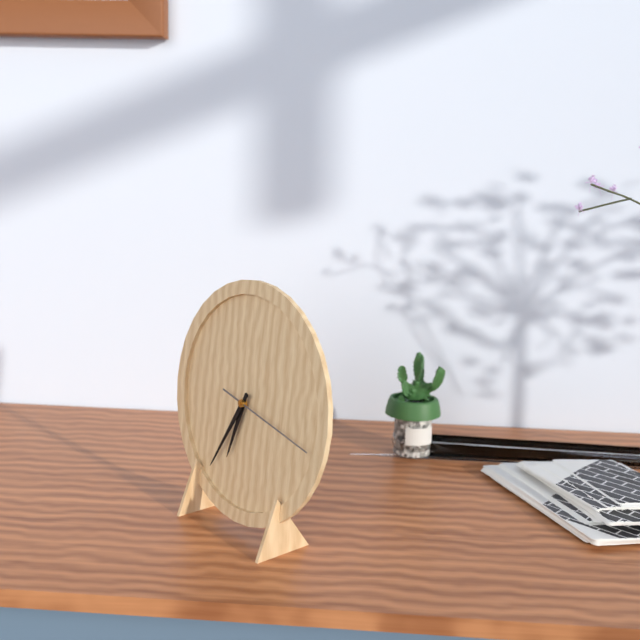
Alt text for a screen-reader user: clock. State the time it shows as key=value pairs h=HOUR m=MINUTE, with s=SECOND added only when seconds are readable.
h=6 m=35 s=17
